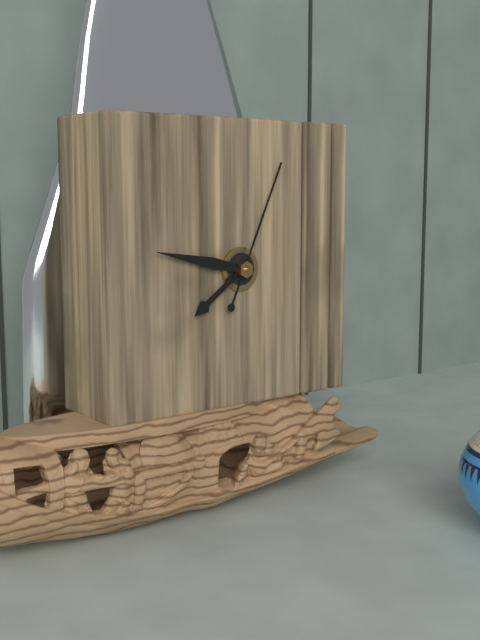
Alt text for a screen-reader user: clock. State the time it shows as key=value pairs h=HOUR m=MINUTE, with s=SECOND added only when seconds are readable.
h=7 m=47 s=4
